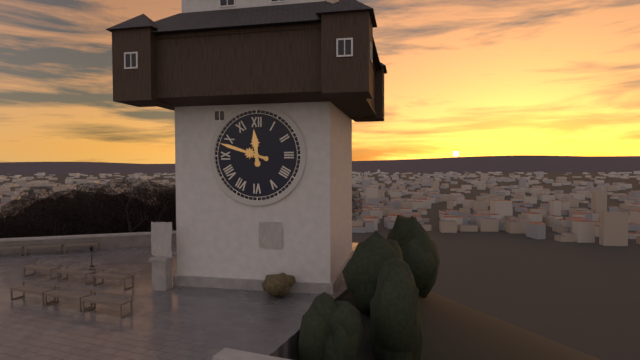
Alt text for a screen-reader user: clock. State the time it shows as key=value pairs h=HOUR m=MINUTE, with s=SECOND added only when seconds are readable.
h=11 m=48
